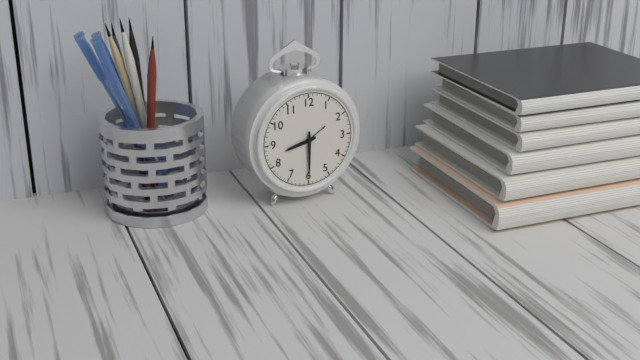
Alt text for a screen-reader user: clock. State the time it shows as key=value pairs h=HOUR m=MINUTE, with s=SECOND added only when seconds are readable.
h=8 m=30
